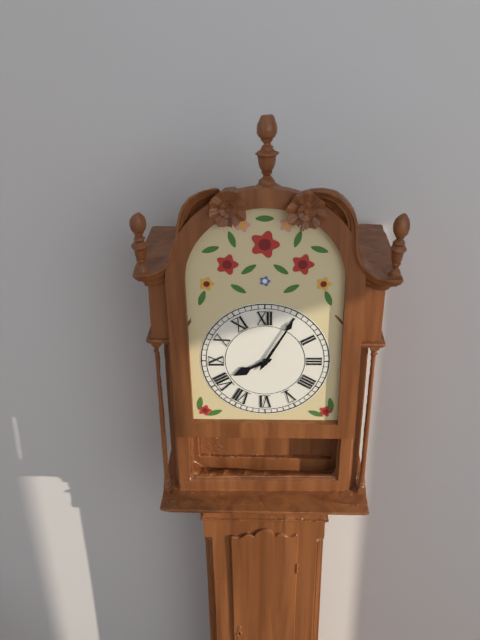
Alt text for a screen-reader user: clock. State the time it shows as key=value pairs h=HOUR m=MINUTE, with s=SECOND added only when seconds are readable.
h=8 m=5
